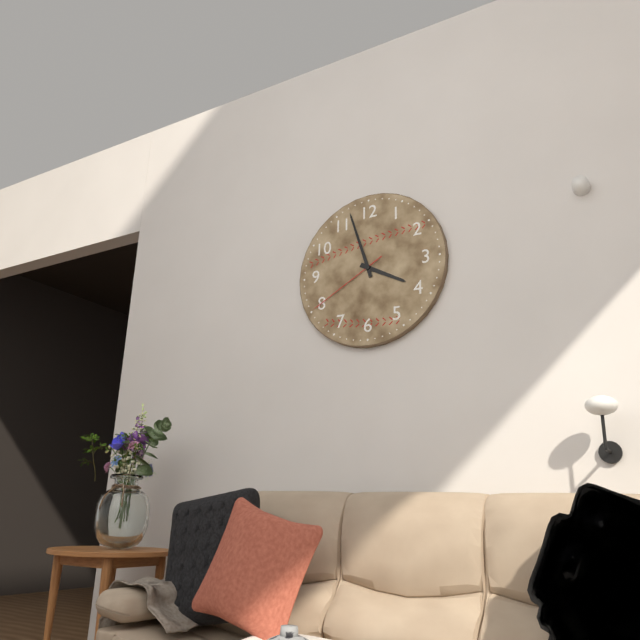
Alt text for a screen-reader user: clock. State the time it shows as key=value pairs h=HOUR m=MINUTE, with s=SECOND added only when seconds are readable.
h=3 m=57 s=40
